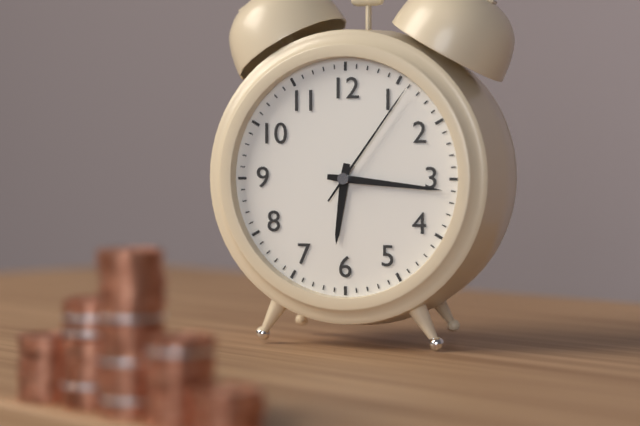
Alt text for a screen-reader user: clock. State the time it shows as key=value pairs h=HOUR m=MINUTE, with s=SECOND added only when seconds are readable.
h=6 m=16 s=6
